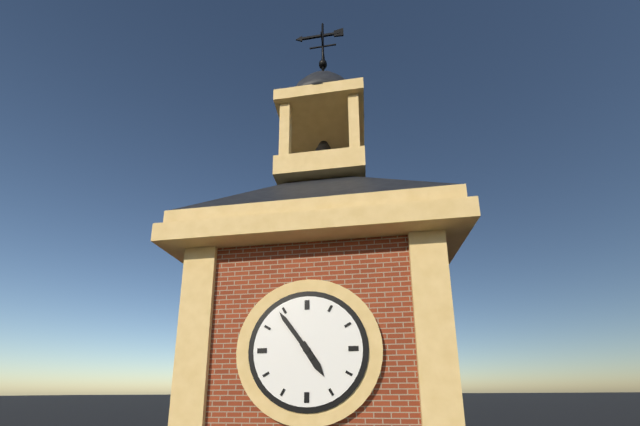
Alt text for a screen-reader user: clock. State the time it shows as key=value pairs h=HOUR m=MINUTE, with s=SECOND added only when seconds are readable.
h=4 m=54
